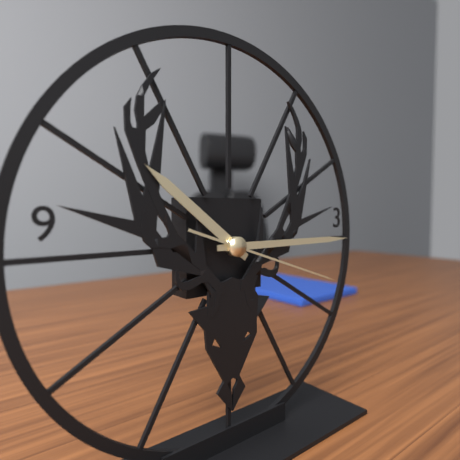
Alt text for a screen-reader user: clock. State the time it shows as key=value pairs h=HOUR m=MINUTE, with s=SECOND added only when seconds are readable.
h=10 m=15 s=18
